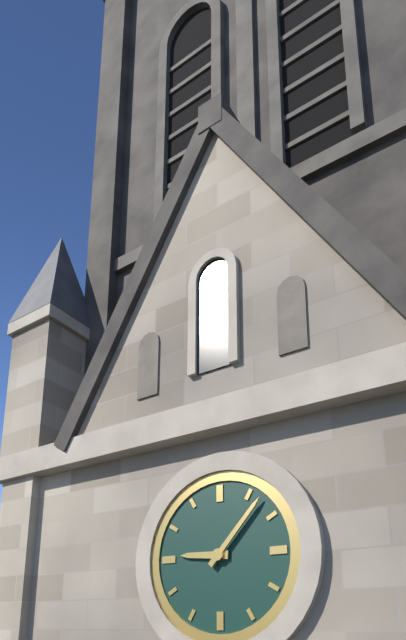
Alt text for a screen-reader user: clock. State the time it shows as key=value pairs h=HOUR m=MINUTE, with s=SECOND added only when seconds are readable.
h=9 m=7
